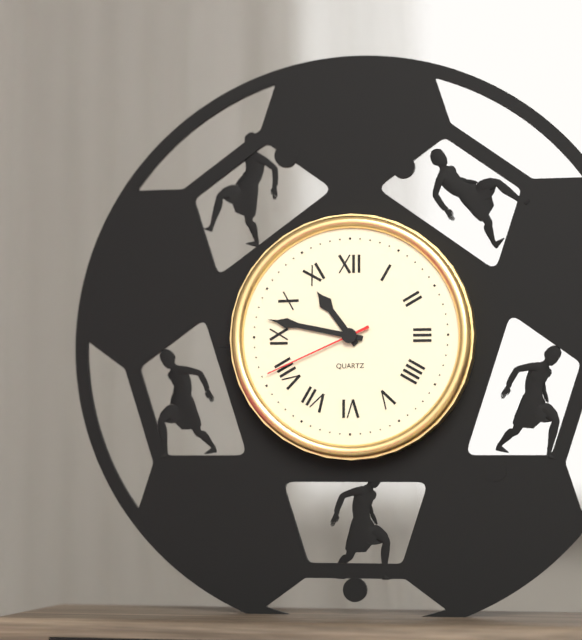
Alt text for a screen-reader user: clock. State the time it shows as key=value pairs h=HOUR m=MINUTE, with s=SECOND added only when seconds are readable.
h=10 m=47 s=41
